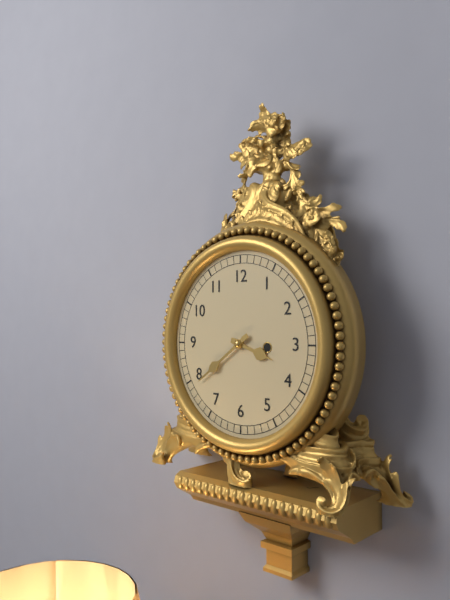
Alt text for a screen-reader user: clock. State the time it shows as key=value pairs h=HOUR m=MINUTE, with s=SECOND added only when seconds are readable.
h=3 m=39
